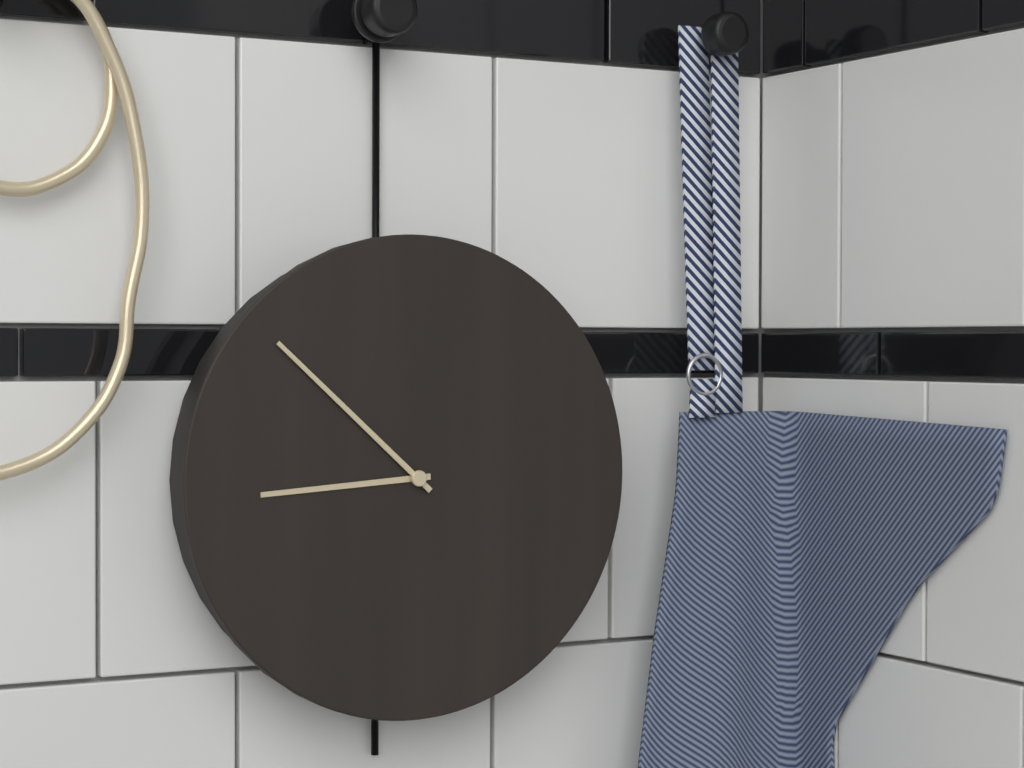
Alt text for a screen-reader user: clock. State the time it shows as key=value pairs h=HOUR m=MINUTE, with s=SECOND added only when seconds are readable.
h=8 m=52
